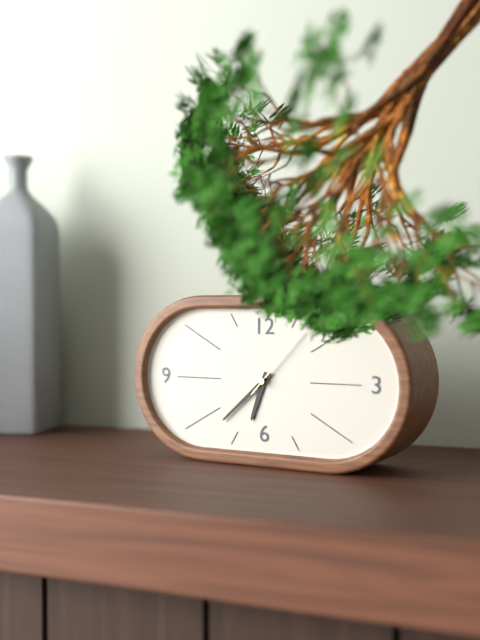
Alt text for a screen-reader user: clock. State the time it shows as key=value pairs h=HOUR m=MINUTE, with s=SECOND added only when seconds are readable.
h=6 m=38 s=7
